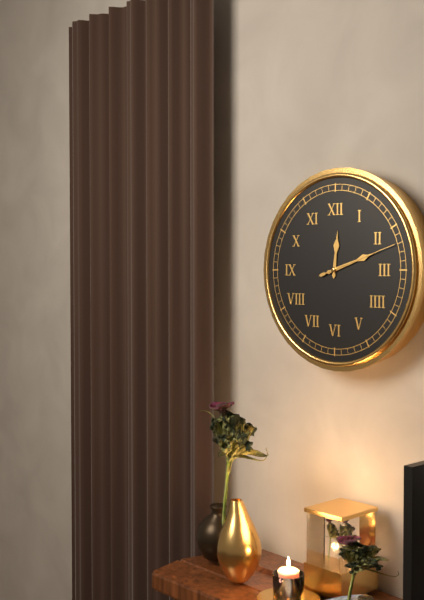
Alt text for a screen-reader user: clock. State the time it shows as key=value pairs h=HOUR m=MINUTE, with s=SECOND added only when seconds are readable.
h=12 m=12 s=12
